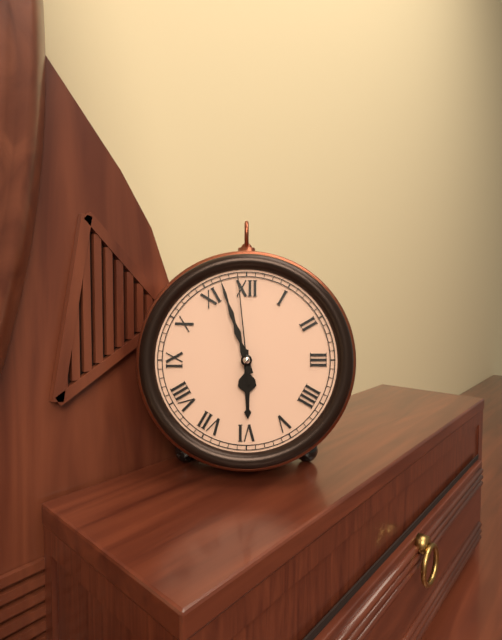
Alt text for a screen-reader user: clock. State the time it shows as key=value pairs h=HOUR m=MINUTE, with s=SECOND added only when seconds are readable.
h=5 m=57 s=59
